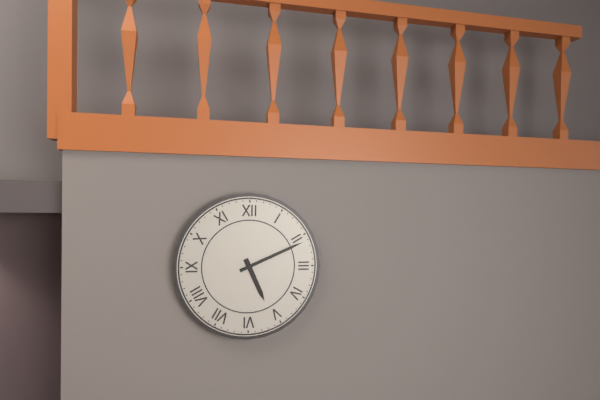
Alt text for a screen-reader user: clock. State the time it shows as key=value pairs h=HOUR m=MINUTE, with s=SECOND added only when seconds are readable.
h=5 m=11
